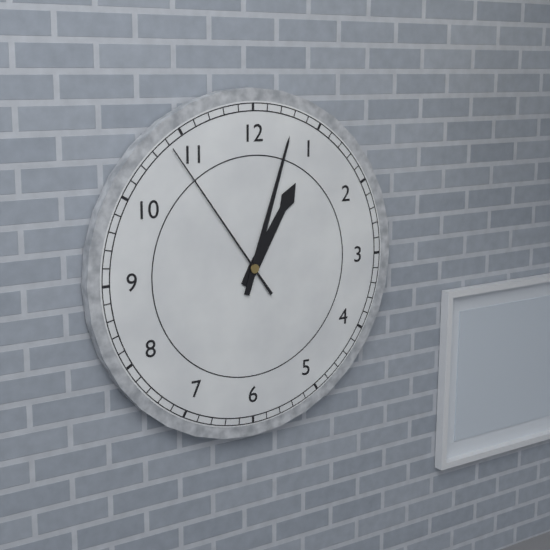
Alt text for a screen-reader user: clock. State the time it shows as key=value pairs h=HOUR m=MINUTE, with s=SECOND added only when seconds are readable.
h=1 m=3 s=54
